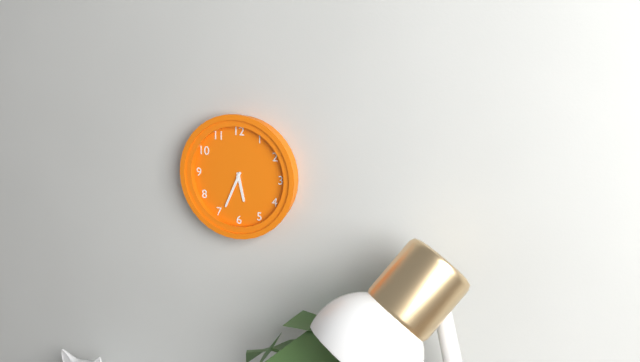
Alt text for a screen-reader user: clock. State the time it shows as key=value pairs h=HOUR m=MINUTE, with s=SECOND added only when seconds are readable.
h=5 m=34
